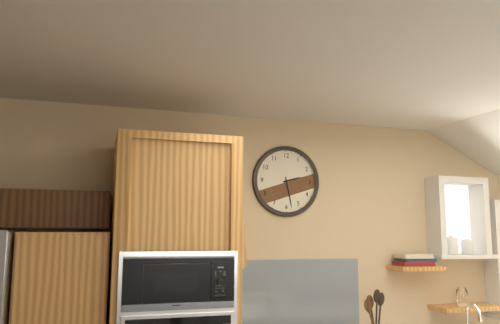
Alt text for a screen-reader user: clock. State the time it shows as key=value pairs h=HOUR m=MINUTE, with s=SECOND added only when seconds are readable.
h=2 m=28
